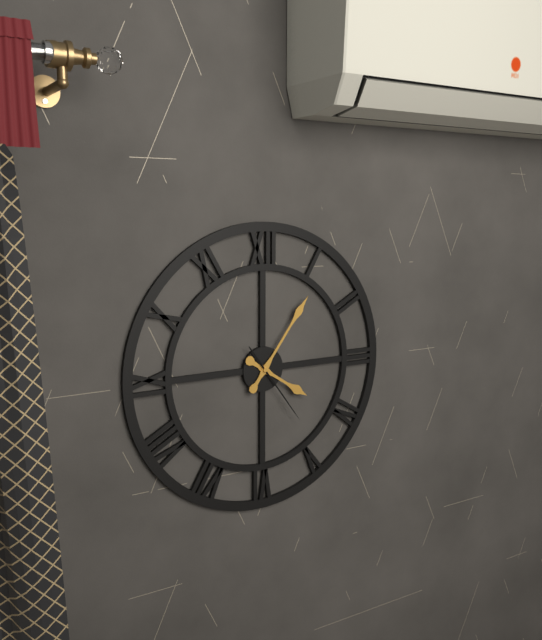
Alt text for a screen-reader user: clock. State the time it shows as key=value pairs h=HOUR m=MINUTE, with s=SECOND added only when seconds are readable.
h=4 m=6 s=24
